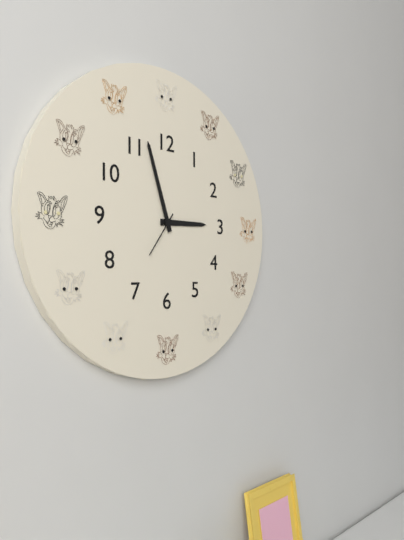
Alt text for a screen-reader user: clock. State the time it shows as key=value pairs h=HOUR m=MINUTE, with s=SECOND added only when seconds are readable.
h=2 m=57
